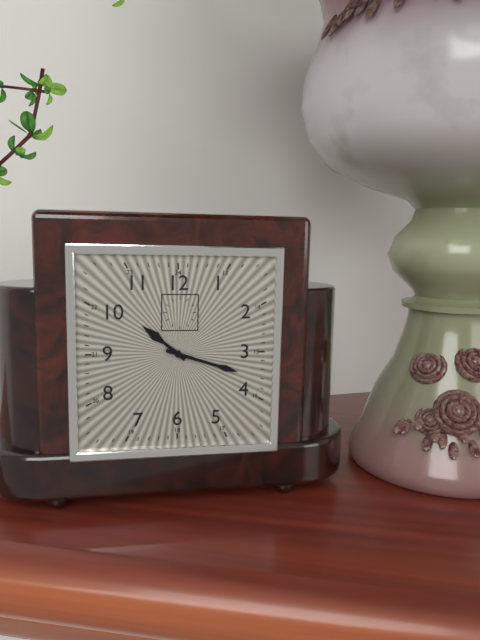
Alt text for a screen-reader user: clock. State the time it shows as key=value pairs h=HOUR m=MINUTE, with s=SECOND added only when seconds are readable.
h=10 m=18
